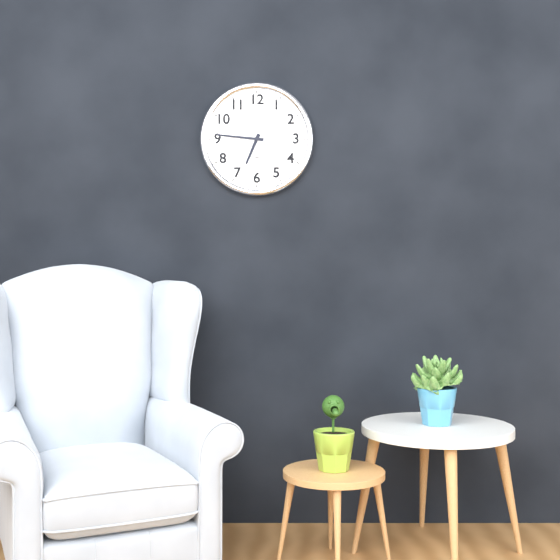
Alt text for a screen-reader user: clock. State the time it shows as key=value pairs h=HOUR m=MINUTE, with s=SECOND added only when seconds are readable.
h=6 m=46
